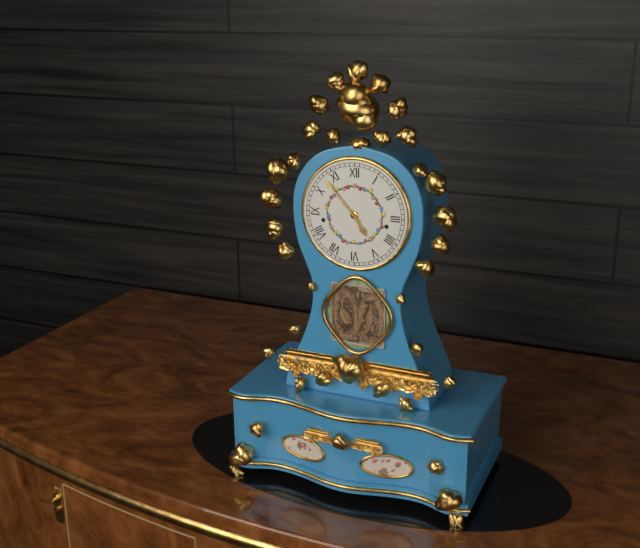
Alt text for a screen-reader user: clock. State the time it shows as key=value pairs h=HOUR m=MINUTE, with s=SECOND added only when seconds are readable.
h=4 m=53
